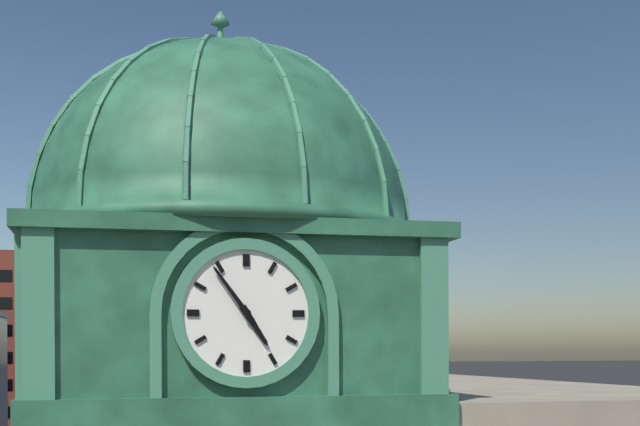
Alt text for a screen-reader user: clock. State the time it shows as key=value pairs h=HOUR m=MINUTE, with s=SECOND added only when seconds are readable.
h=4 m=54
